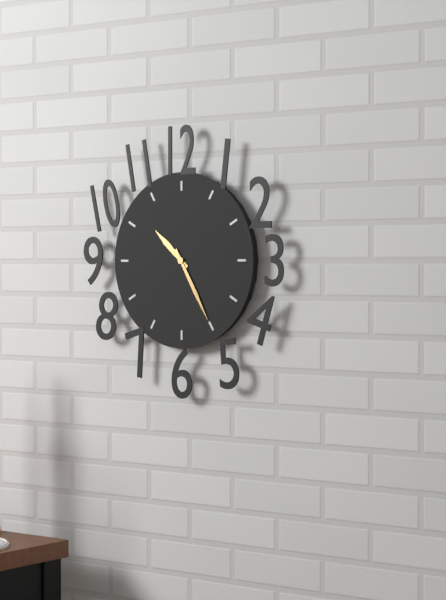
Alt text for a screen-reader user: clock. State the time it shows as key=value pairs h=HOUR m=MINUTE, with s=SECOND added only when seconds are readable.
h=10 m=25
